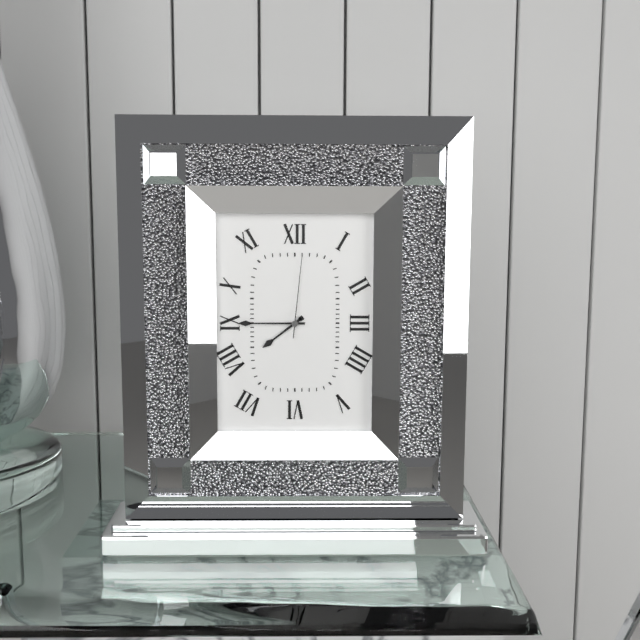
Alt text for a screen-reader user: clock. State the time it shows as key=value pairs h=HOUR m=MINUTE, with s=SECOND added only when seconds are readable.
h=7 m=45 s=1
